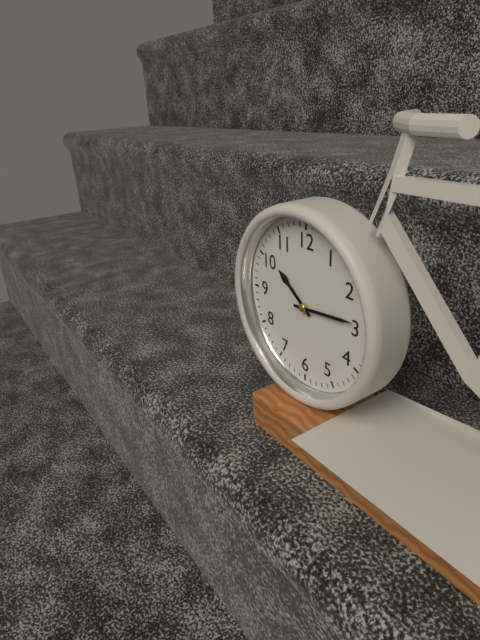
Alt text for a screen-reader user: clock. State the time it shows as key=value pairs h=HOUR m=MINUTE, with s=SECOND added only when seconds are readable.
h=10 m=14
